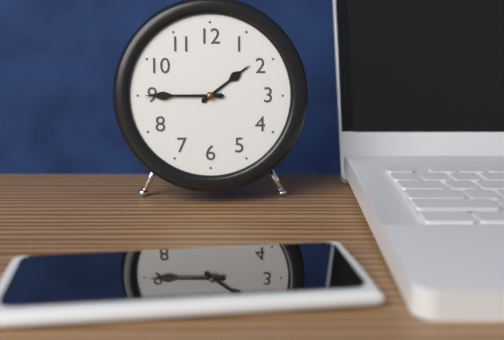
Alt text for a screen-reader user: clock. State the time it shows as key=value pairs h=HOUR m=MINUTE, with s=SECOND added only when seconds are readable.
h=1 m=45
